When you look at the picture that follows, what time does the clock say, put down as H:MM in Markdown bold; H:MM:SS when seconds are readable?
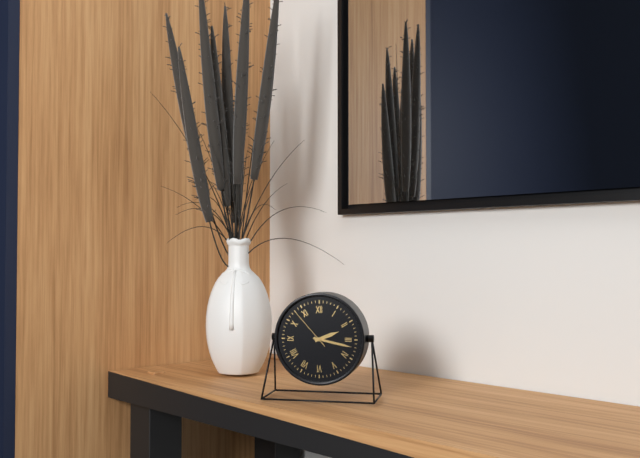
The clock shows **2:17**
